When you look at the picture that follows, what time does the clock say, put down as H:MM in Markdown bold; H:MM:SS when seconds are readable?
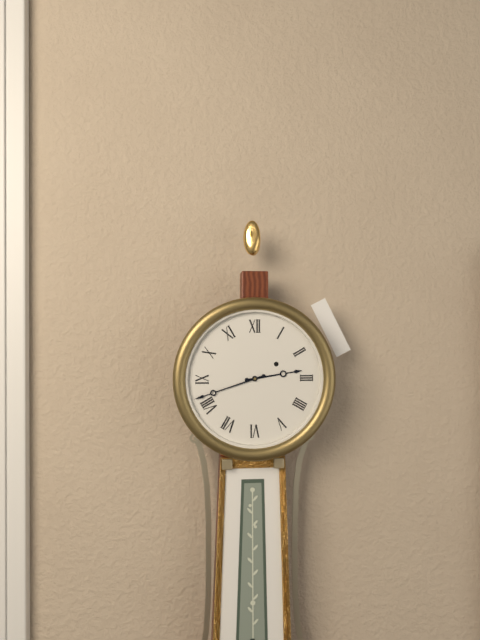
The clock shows **2:42**
